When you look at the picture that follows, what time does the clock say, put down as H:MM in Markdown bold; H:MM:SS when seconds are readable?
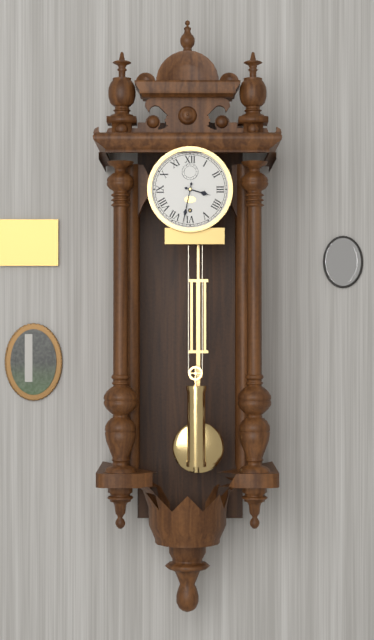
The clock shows **3:32**
